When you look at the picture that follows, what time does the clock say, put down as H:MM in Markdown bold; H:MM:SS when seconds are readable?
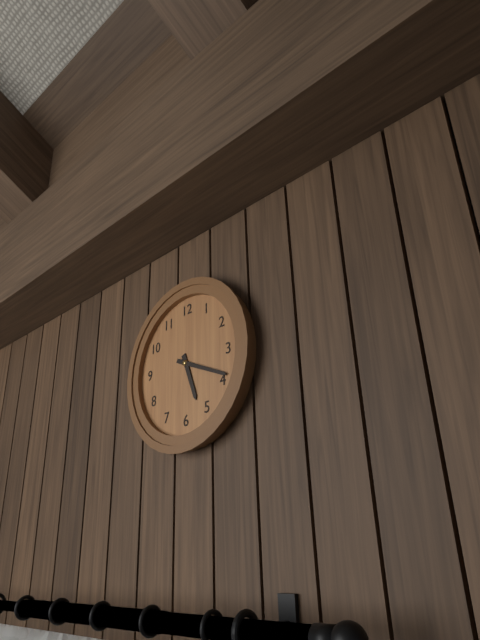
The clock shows **5:19**
